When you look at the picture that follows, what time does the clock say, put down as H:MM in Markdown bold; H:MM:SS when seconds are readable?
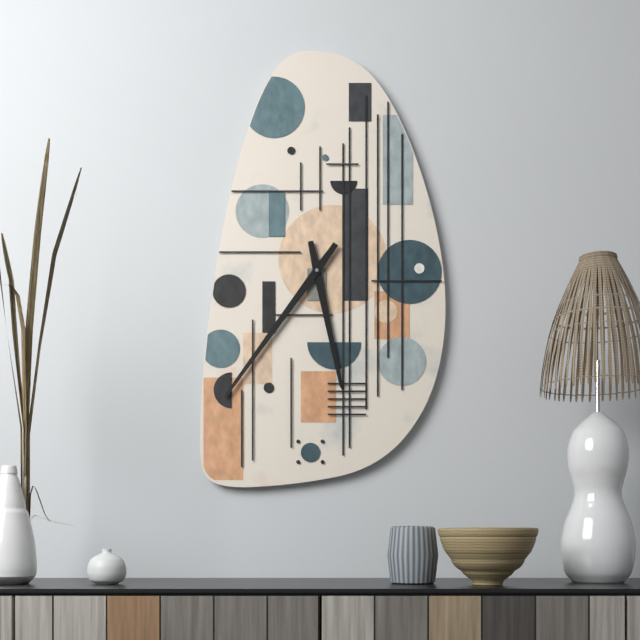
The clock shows **5:36**
